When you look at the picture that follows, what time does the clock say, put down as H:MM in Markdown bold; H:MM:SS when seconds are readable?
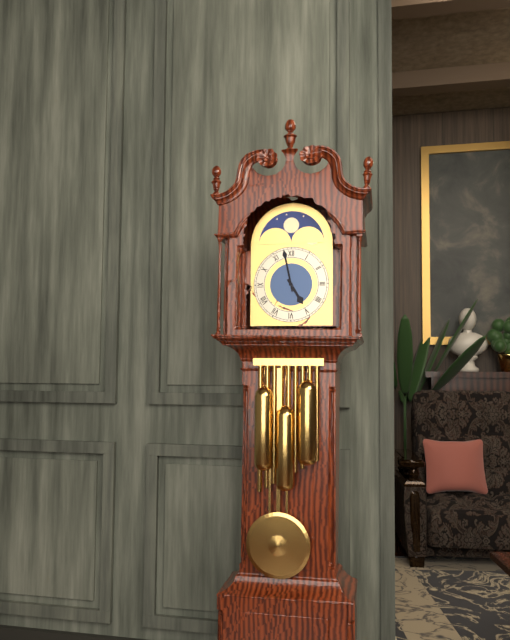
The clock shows **4:58**
